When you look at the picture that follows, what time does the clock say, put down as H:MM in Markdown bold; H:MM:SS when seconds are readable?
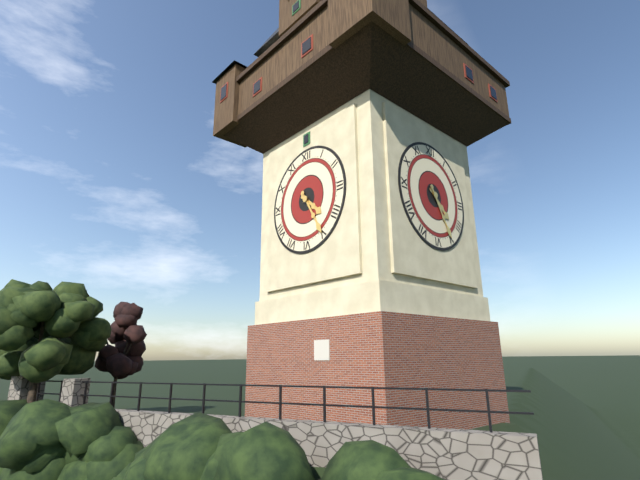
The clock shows **4:25**
